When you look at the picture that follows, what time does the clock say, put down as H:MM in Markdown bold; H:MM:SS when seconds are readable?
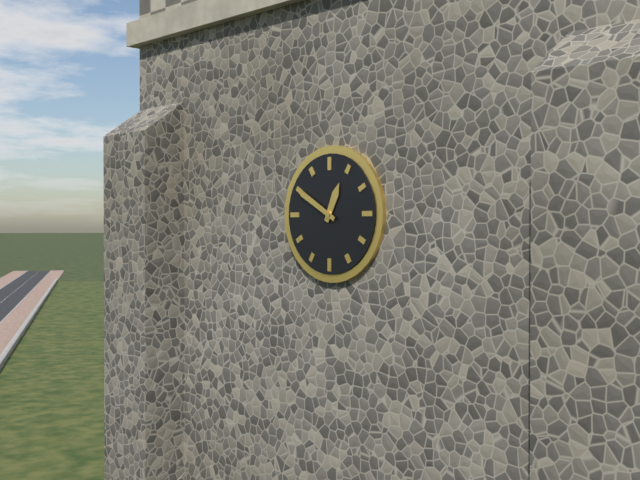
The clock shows **12:50**
